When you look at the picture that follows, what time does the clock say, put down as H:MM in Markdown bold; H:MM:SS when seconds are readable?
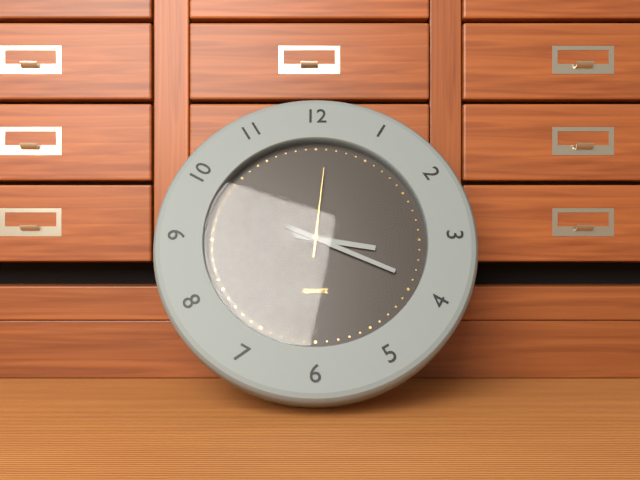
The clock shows **3:19:01**
